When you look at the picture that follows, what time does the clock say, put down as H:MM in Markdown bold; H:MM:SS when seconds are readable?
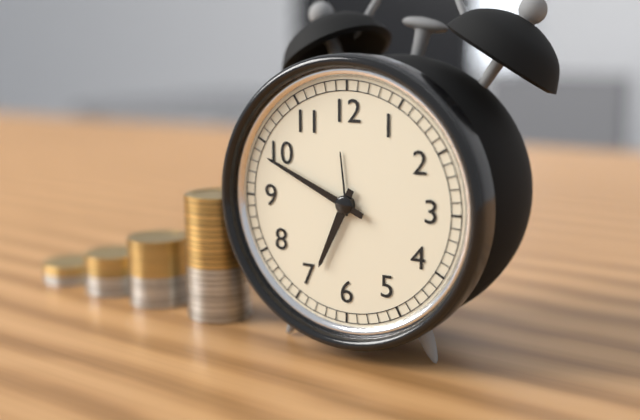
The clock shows **6:49**
